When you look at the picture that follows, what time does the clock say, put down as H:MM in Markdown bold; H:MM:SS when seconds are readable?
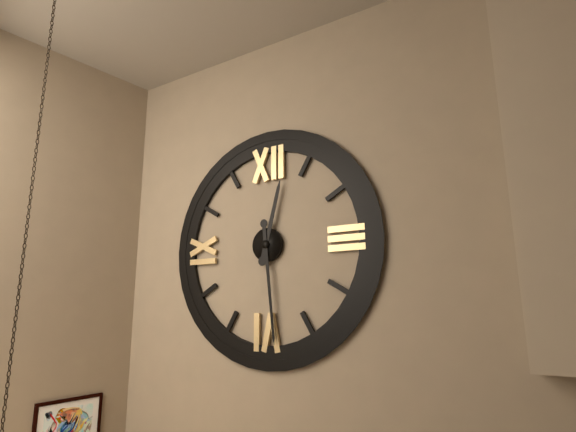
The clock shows **12:29**
